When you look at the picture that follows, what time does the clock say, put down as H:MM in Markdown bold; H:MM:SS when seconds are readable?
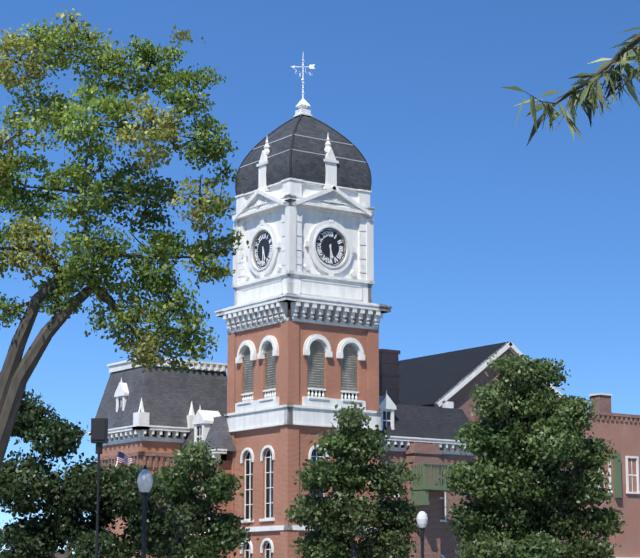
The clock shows **5:30**
